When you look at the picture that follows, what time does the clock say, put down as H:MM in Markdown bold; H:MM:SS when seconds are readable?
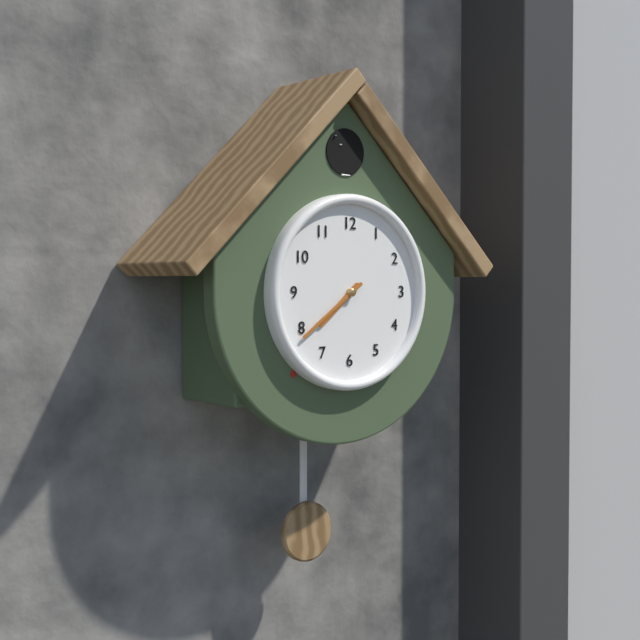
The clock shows **7:39**
